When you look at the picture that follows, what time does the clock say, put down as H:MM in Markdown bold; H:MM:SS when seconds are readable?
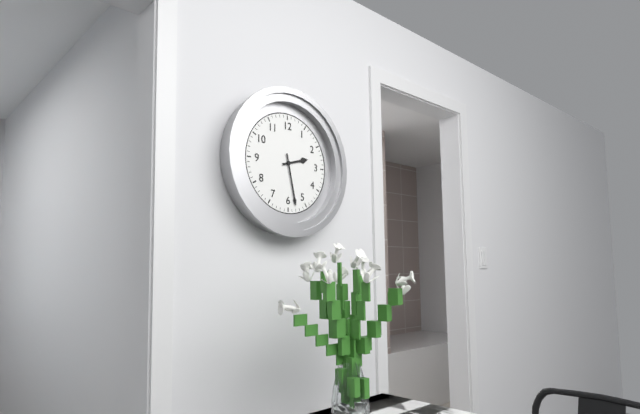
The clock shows **2:28**
